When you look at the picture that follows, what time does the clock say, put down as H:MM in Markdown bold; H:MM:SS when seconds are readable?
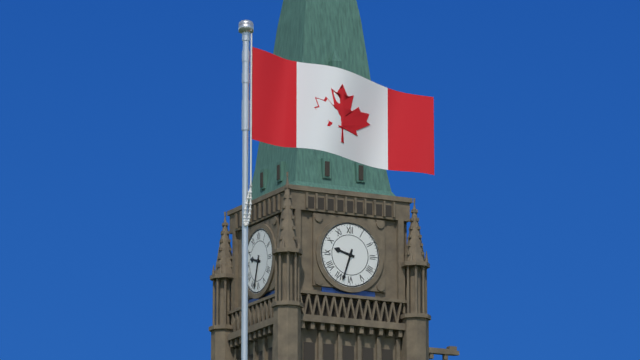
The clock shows **9:33**
